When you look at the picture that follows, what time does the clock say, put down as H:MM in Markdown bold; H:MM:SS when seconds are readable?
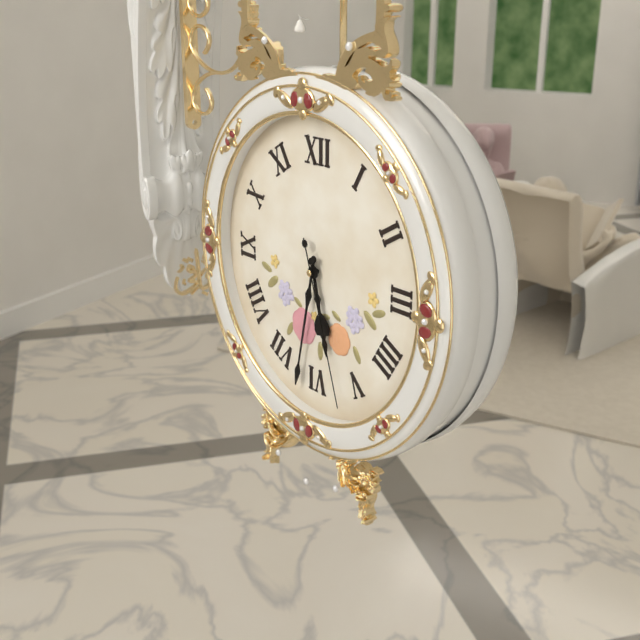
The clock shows **5:32:27**
